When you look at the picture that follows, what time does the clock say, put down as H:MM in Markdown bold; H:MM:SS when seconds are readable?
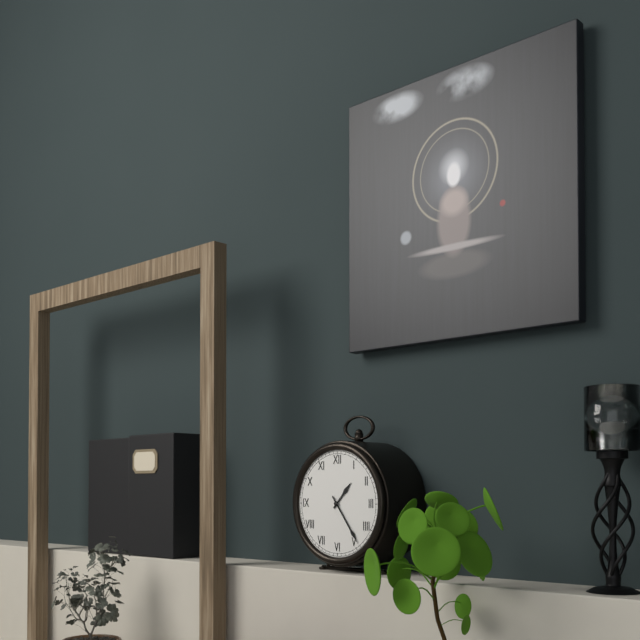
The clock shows **1:24**
